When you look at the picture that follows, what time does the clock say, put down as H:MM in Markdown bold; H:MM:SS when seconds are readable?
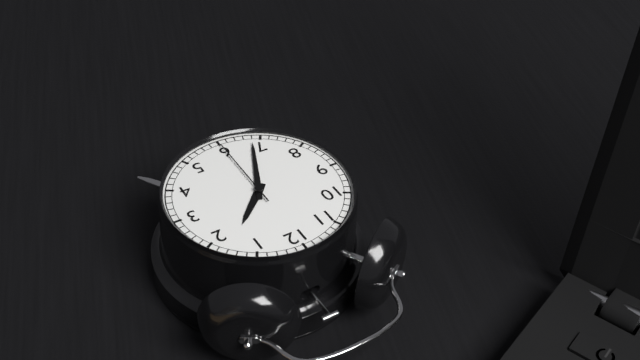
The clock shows **1:34:30**
